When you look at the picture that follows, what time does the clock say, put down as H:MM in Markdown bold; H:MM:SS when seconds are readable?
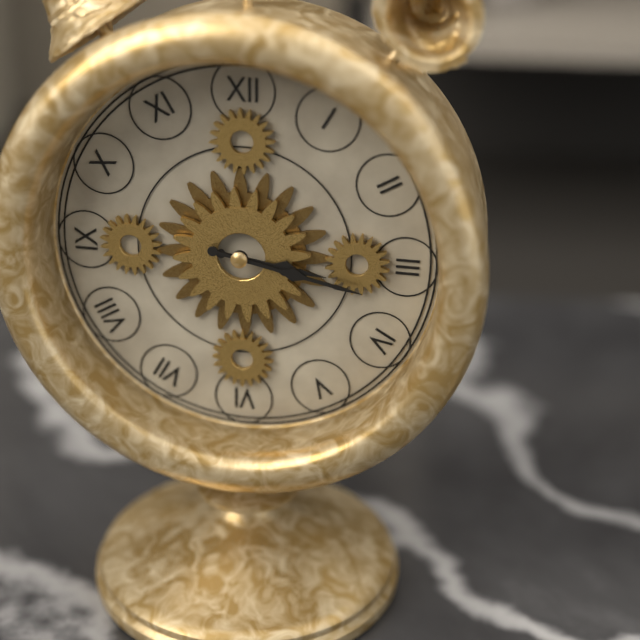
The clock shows **3:17**
